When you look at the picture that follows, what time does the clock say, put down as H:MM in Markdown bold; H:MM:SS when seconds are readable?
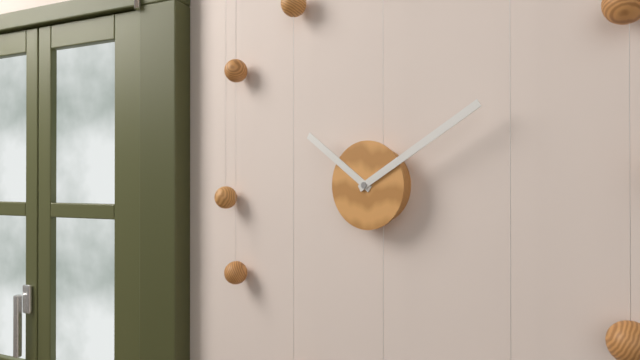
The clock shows **10:10**
